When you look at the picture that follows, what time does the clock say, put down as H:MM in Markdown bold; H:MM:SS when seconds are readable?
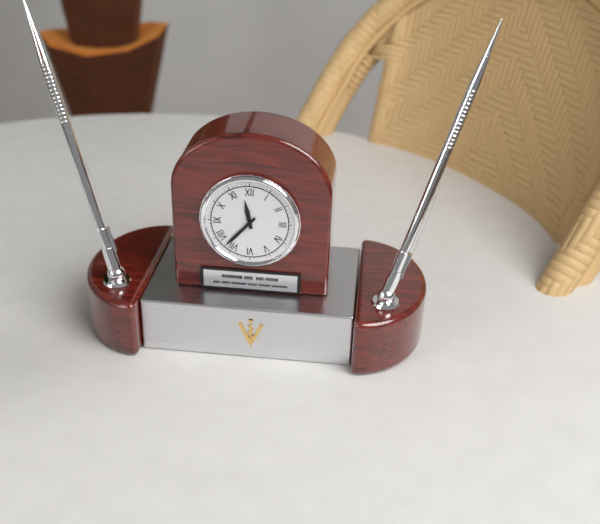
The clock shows **11:37**
